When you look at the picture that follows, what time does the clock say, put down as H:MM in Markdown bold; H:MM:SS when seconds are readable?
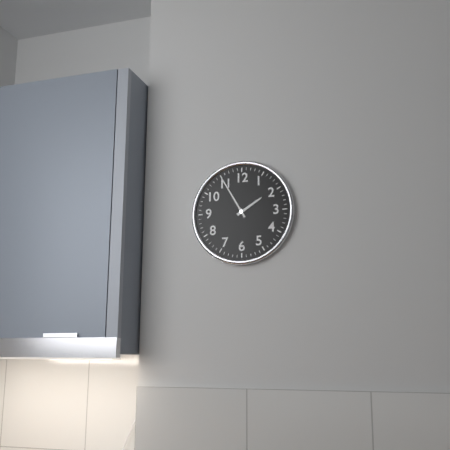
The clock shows **1:55**
